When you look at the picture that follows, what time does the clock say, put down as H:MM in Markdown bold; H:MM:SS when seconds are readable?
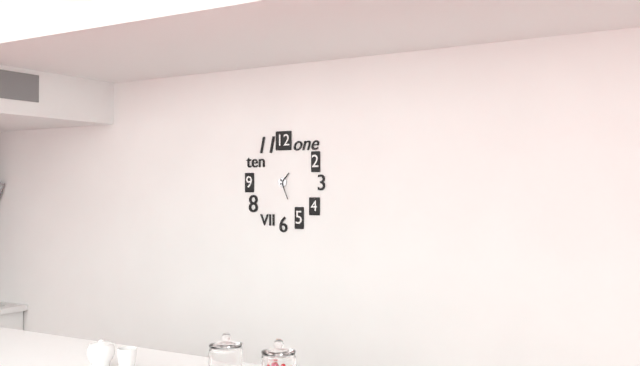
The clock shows **1:26**
